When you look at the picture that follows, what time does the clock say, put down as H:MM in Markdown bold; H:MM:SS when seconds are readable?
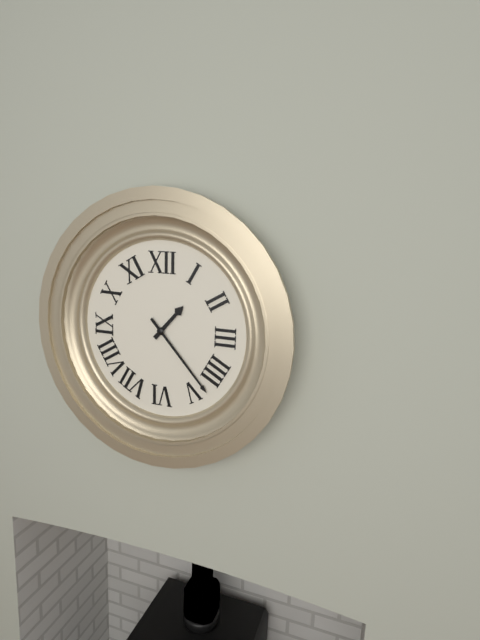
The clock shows **1:23**
